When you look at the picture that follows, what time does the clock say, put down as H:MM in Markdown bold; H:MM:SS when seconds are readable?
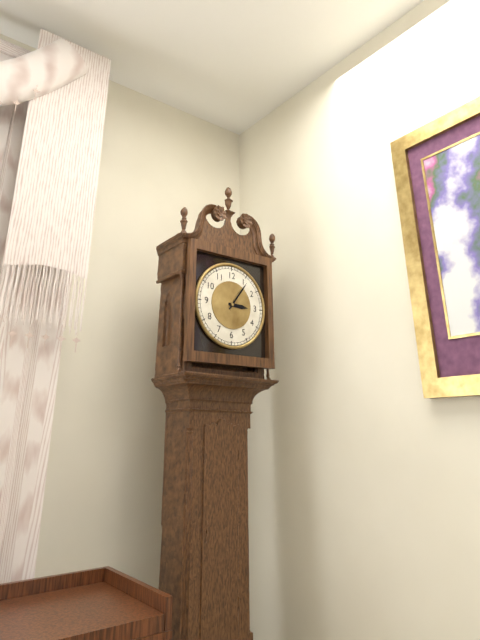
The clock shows **3:06**
